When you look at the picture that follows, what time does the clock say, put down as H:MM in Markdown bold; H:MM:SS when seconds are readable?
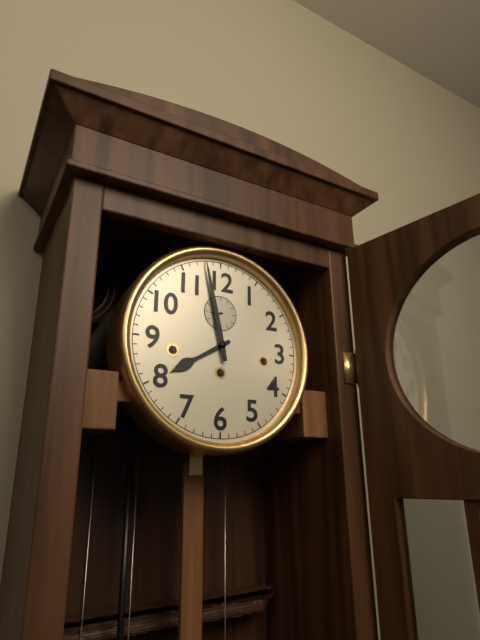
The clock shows **7:58**
